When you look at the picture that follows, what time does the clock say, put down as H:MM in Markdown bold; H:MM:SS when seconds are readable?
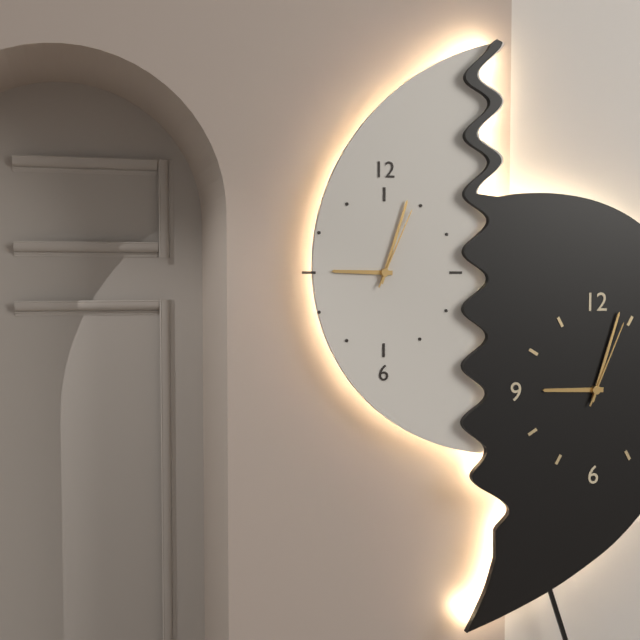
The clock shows **9:03:04**
